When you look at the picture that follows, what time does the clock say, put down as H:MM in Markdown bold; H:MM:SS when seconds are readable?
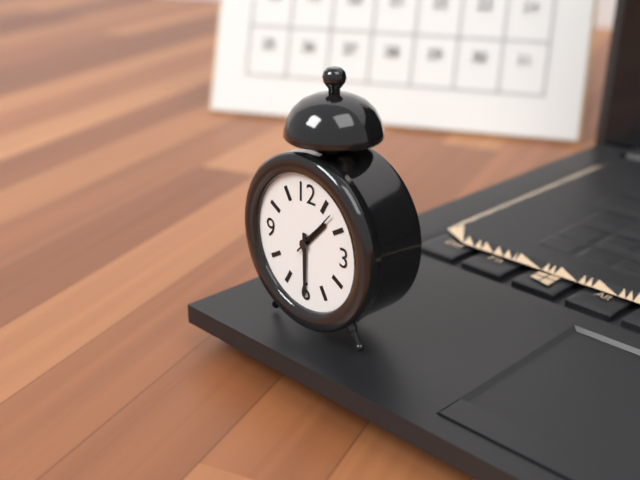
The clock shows **1:30**
